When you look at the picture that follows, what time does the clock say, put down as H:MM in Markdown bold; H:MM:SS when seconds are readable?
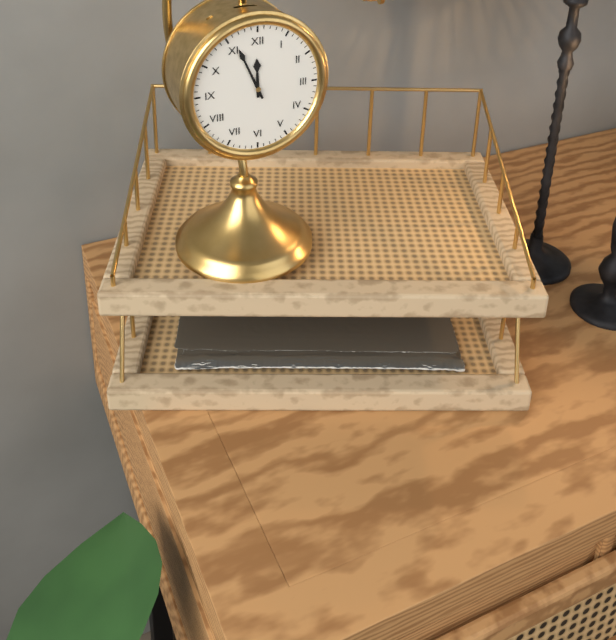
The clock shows **11:56**
